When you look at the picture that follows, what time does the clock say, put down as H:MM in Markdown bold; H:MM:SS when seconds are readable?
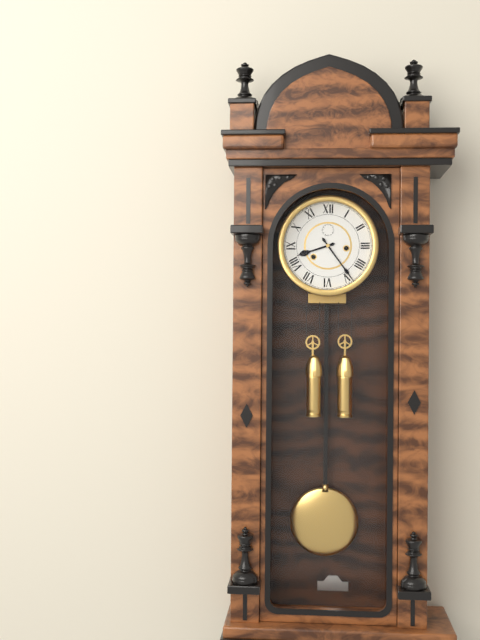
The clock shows **8:24**
